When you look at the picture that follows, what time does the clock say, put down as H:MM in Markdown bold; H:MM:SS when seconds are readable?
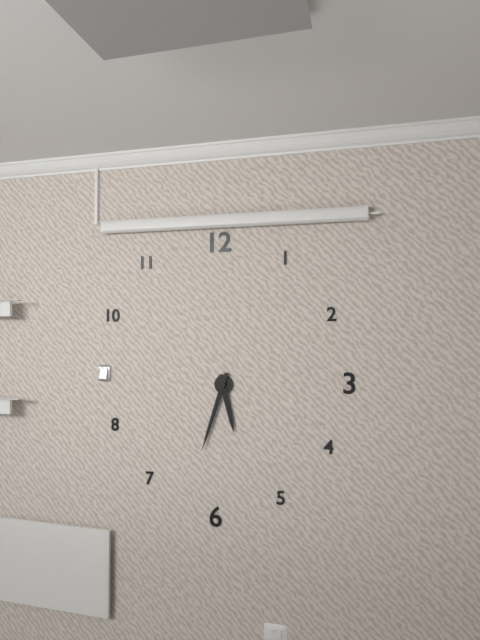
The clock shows **5:33**
